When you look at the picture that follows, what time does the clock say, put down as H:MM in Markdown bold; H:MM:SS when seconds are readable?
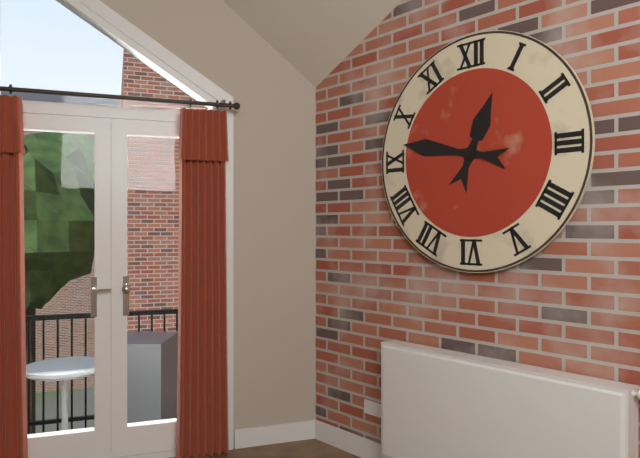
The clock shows **12:47**
